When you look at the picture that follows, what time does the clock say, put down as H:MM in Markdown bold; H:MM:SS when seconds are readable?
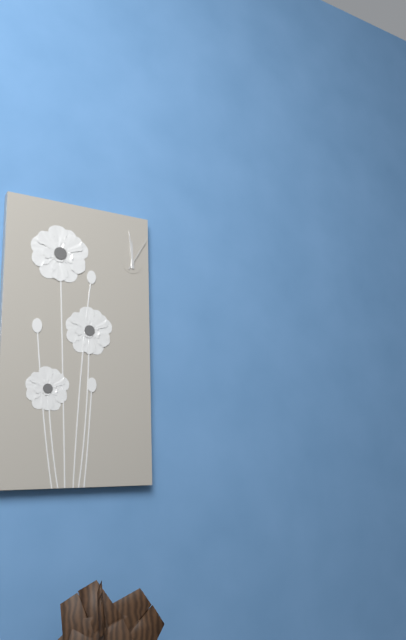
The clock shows **11:59**
